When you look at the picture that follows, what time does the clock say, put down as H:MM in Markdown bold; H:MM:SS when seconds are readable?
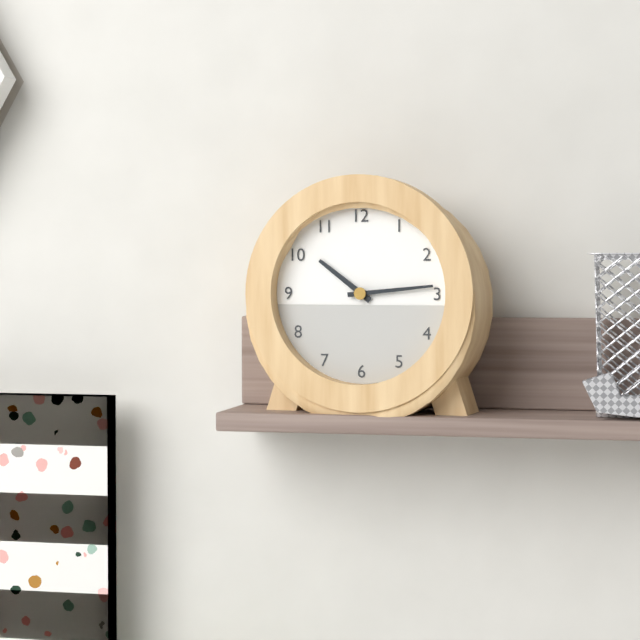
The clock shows **10:14**
